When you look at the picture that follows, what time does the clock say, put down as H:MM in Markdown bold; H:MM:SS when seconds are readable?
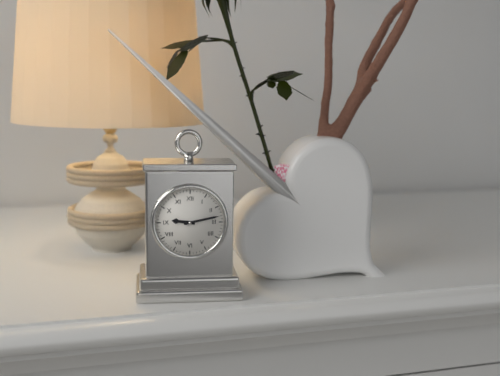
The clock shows **9:13**
